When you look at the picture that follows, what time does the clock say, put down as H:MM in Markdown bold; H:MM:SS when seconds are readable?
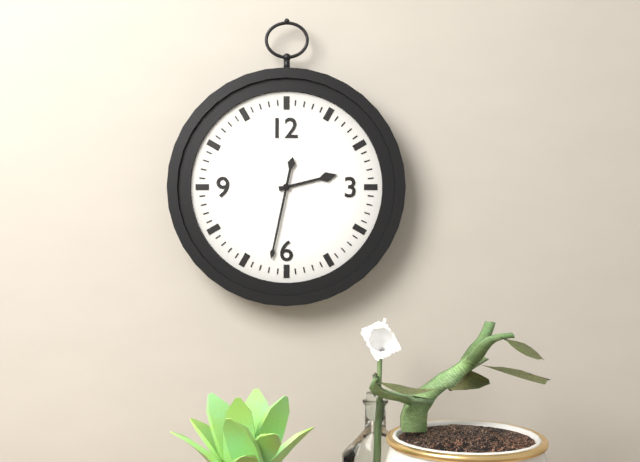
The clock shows **2:32**
